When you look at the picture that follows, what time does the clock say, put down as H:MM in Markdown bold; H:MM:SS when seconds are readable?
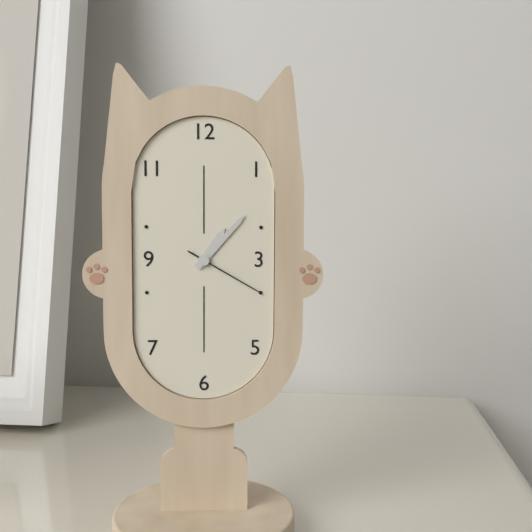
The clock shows **1:07:20**
